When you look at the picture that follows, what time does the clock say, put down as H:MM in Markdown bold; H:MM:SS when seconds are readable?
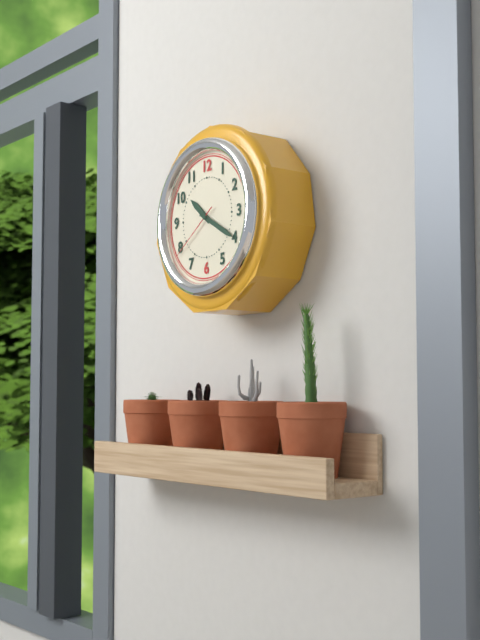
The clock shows **10:20:39**
